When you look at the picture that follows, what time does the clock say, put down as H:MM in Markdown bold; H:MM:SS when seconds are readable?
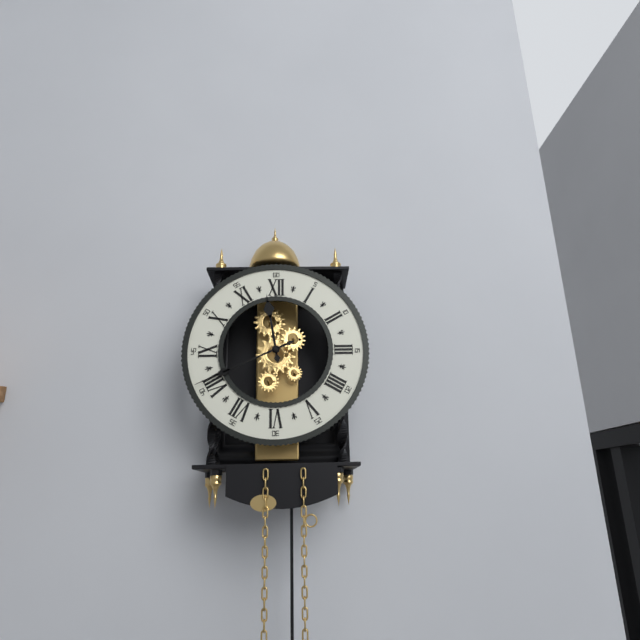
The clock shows **11:41**
